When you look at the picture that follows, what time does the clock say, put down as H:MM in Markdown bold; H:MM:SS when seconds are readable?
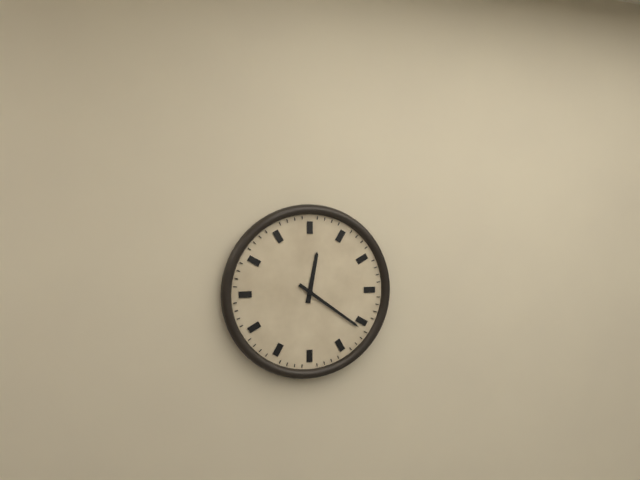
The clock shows **12:21**
